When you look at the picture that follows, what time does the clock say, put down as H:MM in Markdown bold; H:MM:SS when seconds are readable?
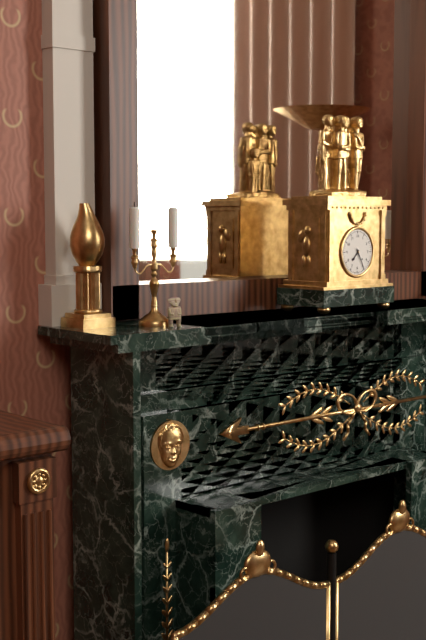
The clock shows **7:25**
